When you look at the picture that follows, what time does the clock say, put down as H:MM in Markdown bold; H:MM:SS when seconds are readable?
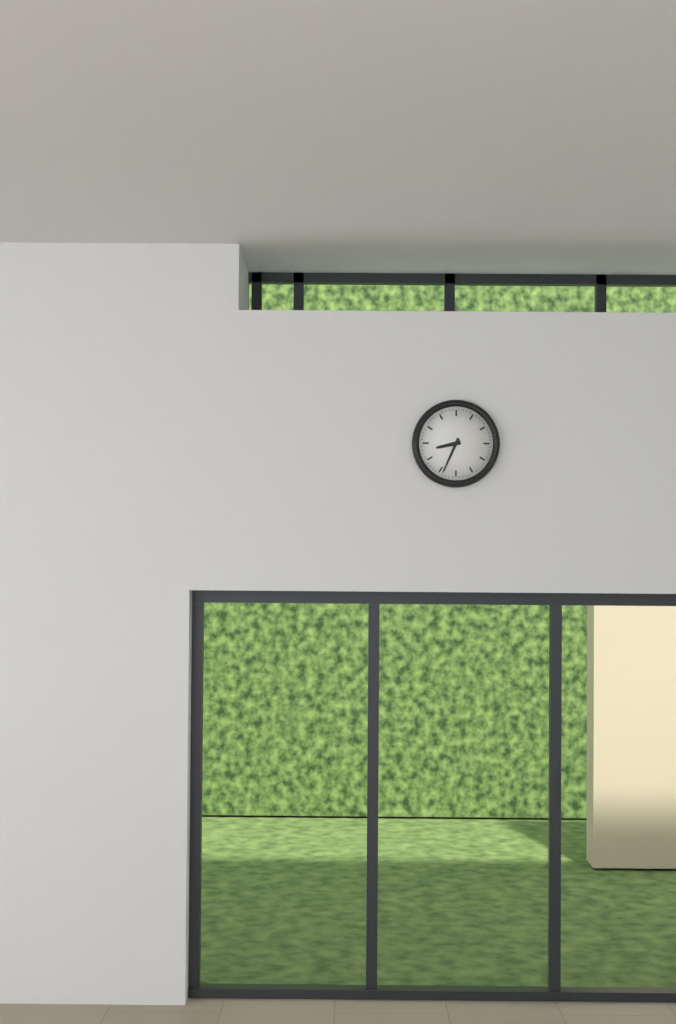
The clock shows **8:34**
